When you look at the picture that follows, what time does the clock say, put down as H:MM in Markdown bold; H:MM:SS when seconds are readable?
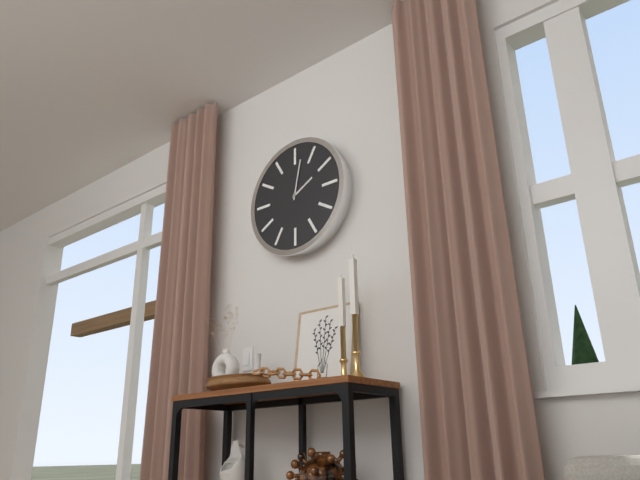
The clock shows **2:02**
